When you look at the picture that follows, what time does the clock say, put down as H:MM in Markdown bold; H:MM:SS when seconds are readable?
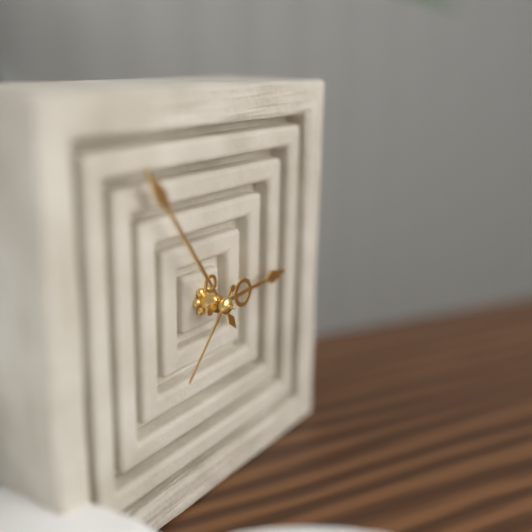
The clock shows **2:54:37**
